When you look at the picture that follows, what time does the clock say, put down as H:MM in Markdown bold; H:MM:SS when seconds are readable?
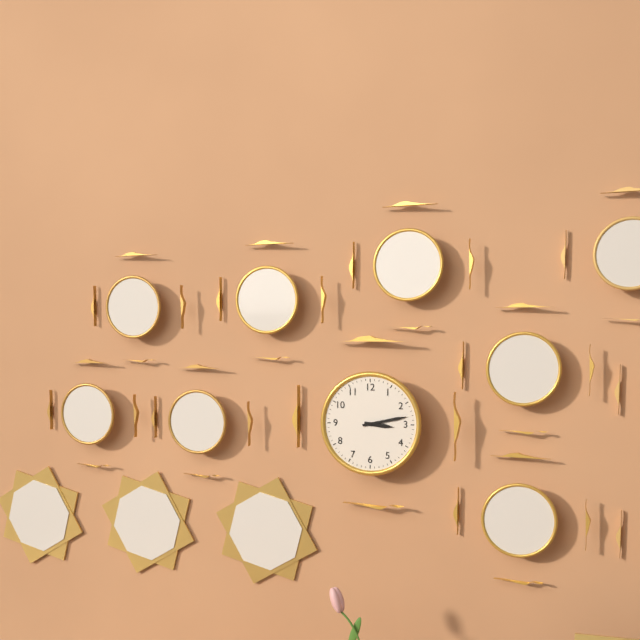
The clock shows **3:13**
